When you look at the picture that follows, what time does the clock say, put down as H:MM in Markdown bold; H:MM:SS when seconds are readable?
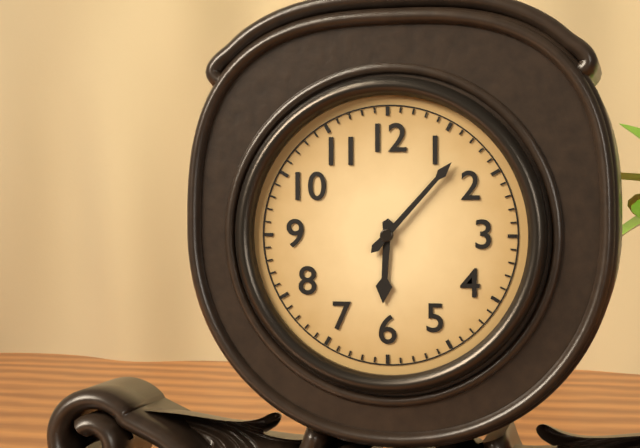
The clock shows **6:07**
